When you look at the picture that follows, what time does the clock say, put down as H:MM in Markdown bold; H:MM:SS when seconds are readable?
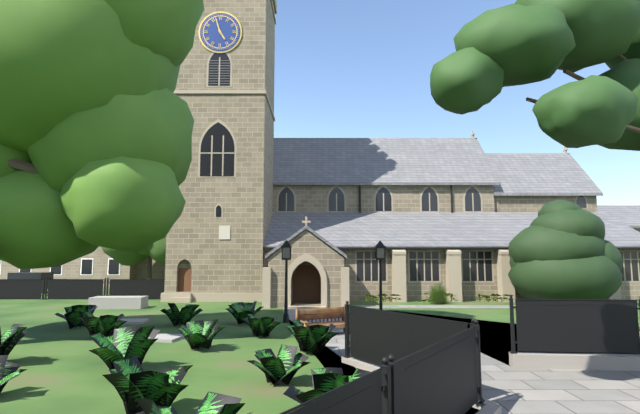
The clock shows **4:57**
